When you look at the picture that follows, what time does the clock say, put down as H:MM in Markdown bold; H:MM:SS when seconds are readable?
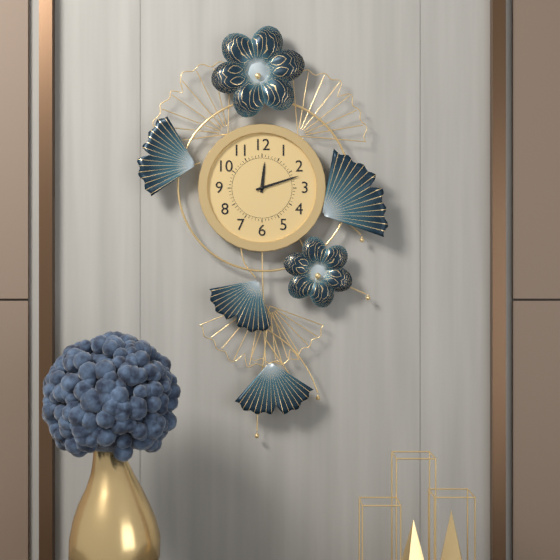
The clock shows **12:12**
